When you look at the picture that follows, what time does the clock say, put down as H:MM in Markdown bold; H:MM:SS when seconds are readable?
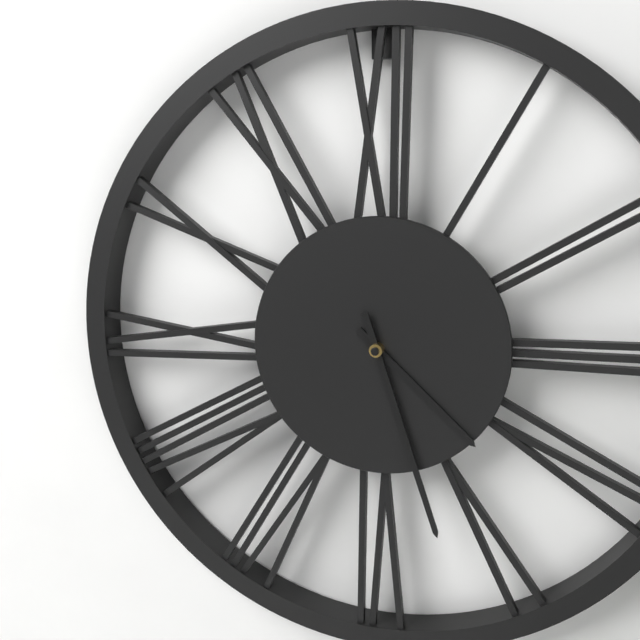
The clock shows **4:27**
